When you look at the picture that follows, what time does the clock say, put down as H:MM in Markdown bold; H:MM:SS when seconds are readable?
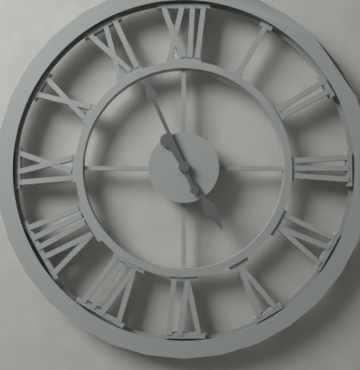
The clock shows **4:56**
